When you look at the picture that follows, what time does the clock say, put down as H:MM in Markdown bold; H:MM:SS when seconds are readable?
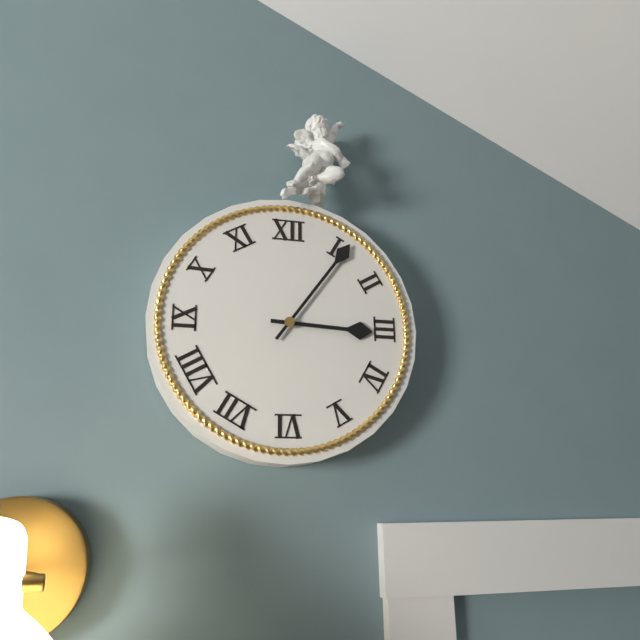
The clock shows **3:06**
